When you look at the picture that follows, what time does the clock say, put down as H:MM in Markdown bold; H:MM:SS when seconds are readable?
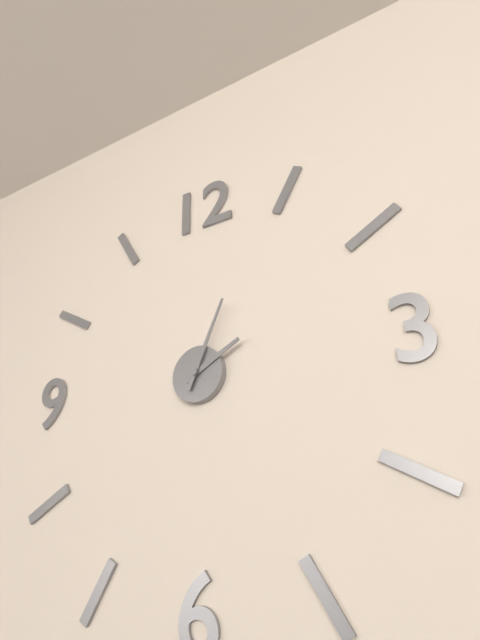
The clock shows **2:04**
